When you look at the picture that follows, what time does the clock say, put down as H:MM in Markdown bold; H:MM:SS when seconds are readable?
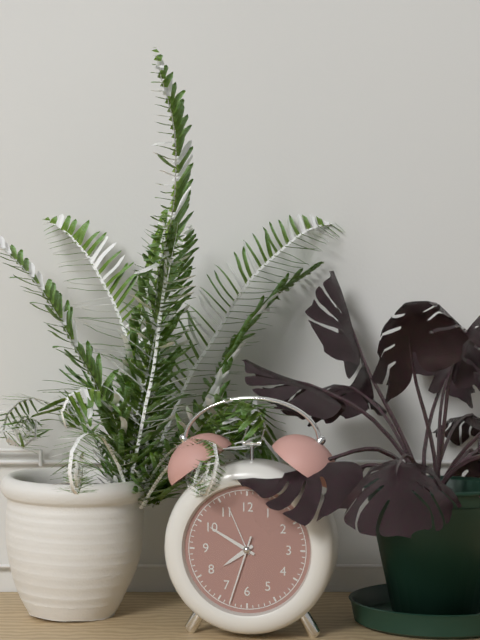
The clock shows **7:50:33**
